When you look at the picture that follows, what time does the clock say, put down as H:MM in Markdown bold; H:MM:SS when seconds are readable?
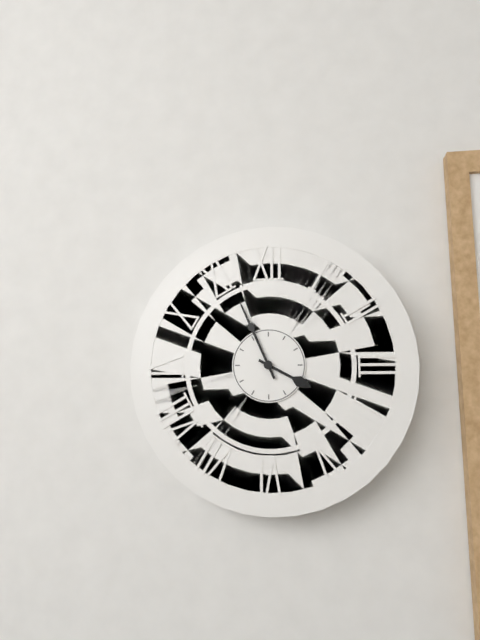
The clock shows **3:56**
